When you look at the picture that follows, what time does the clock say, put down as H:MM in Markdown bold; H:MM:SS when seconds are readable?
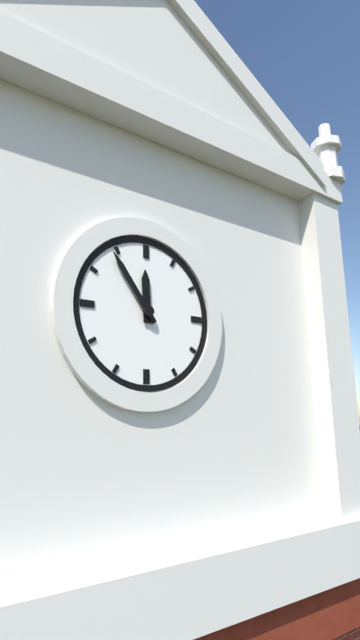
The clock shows **11:54**
